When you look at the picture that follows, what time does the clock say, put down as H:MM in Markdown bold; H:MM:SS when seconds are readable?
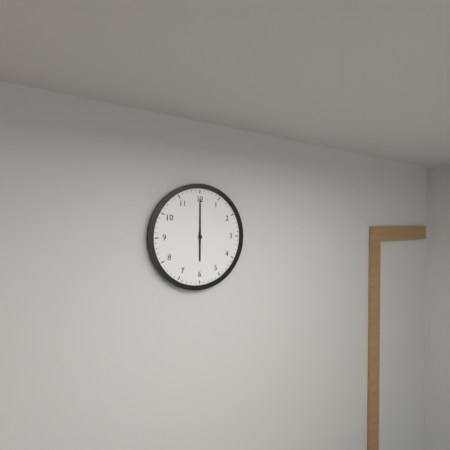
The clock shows **6:00**
